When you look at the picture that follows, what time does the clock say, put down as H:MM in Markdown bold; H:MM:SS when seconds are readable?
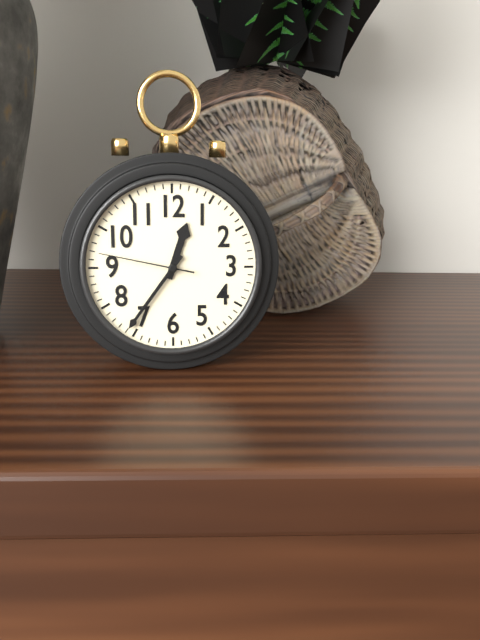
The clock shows **12:36:47**
